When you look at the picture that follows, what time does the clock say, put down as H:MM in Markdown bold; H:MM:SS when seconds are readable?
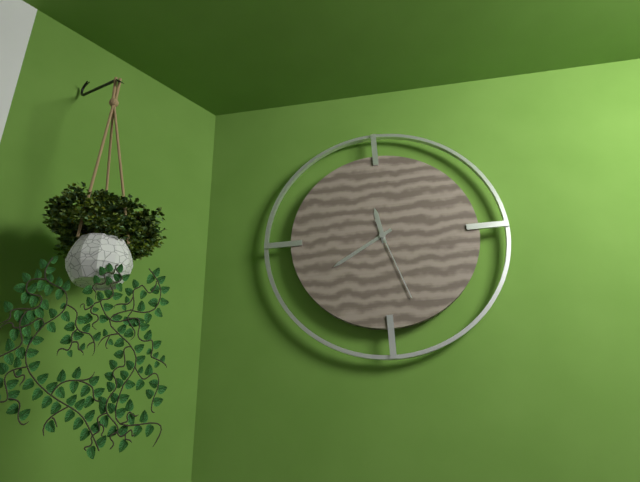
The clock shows **11:40:27**
